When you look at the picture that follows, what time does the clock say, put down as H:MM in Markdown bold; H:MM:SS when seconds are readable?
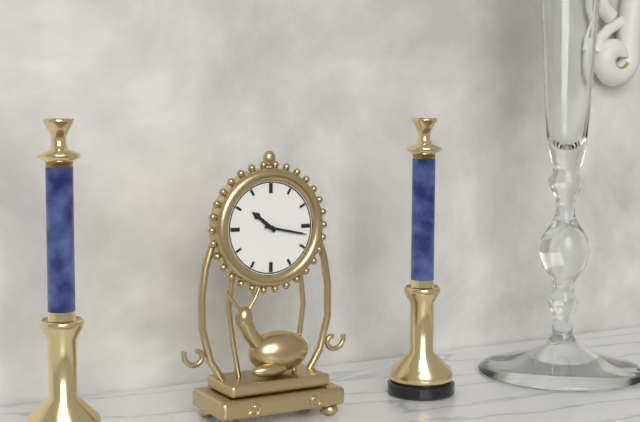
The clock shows **10:17**
